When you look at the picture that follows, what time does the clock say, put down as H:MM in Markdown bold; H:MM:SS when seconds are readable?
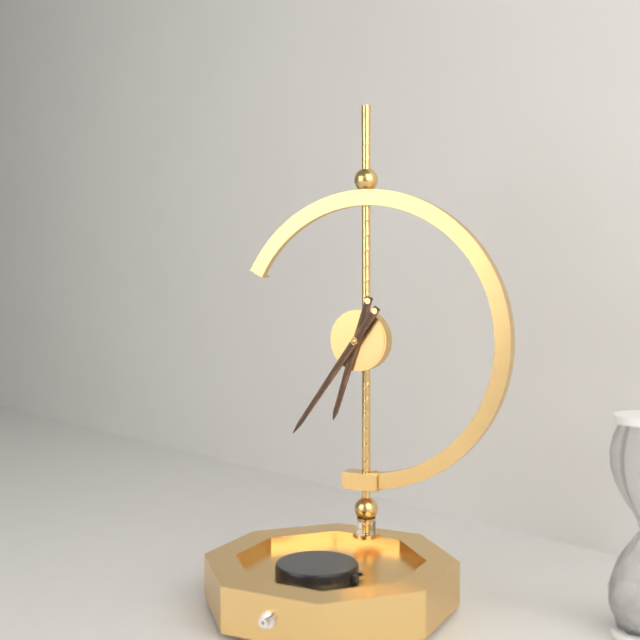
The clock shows **6:36**
